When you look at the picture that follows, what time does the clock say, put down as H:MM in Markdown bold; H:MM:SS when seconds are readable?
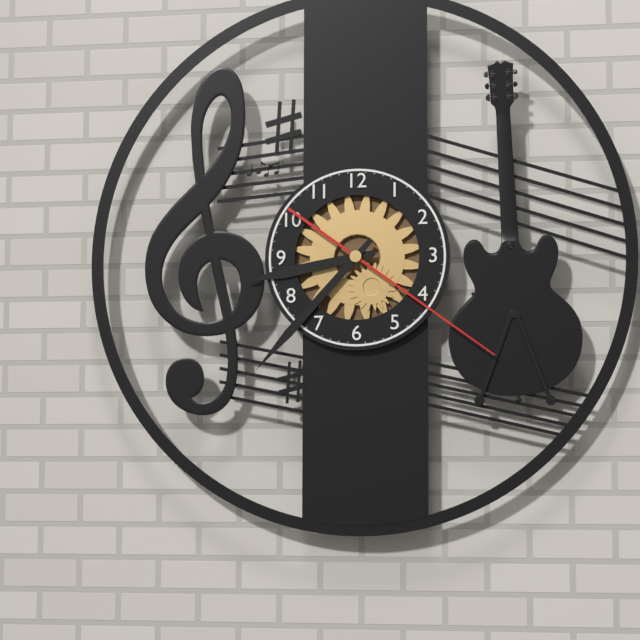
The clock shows **8:37:21**
